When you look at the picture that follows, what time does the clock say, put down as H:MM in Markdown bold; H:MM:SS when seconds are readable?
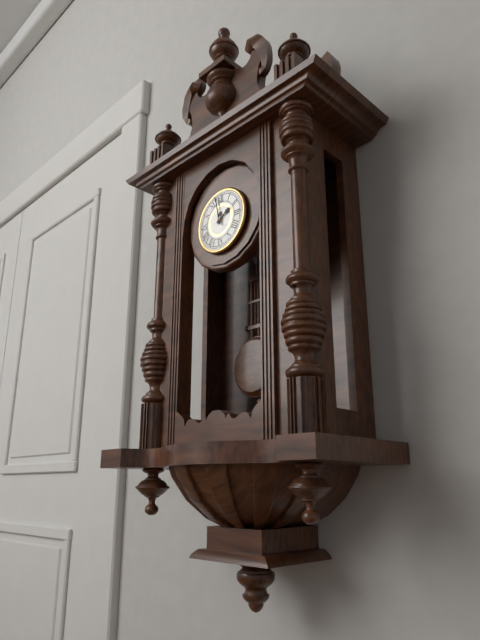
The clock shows **1:58**
